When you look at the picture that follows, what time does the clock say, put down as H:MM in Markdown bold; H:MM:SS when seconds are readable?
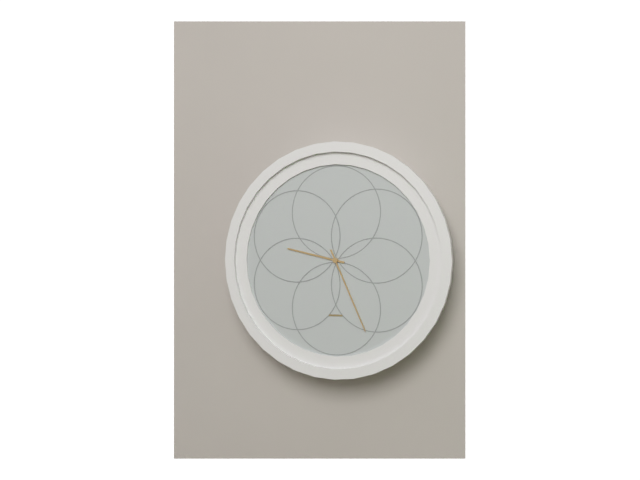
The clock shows **9:26**
